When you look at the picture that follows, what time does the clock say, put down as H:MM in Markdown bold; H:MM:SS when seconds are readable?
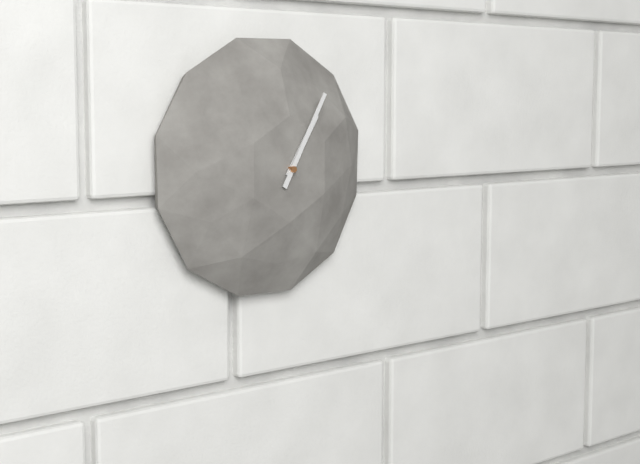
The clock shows **1:05**
